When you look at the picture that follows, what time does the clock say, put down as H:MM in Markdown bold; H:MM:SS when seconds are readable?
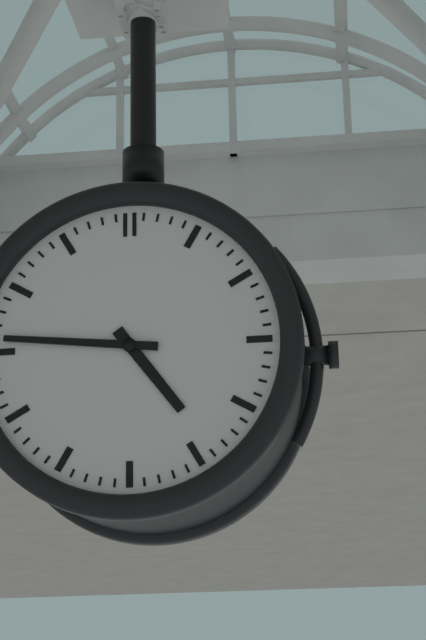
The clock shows **4:46**
